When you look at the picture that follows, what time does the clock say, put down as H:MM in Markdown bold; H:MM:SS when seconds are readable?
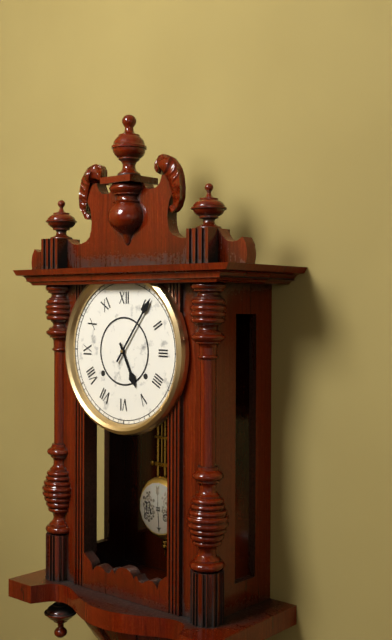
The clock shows **5:06**
